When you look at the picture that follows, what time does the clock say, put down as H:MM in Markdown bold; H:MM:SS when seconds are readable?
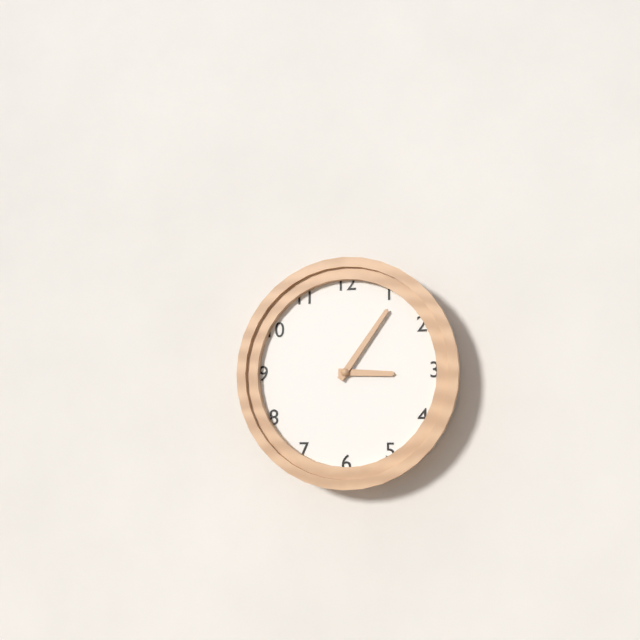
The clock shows **3:06**
